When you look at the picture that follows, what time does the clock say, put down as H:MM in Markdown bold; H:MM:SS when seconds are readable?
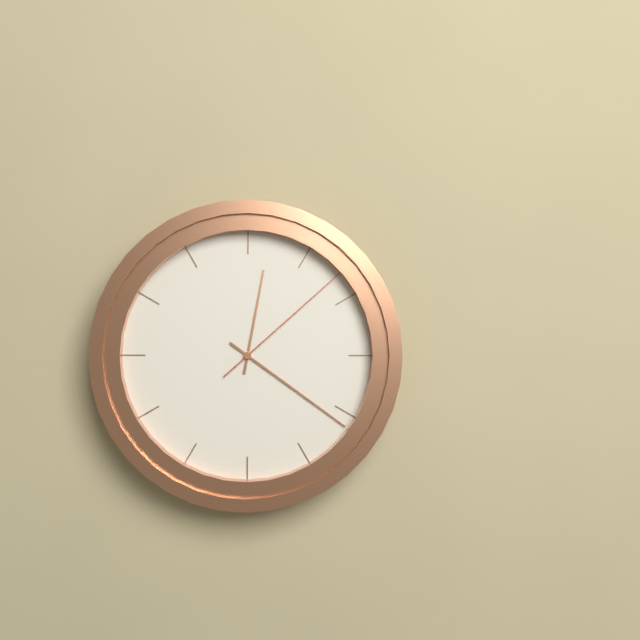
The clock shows **12:21:08**
